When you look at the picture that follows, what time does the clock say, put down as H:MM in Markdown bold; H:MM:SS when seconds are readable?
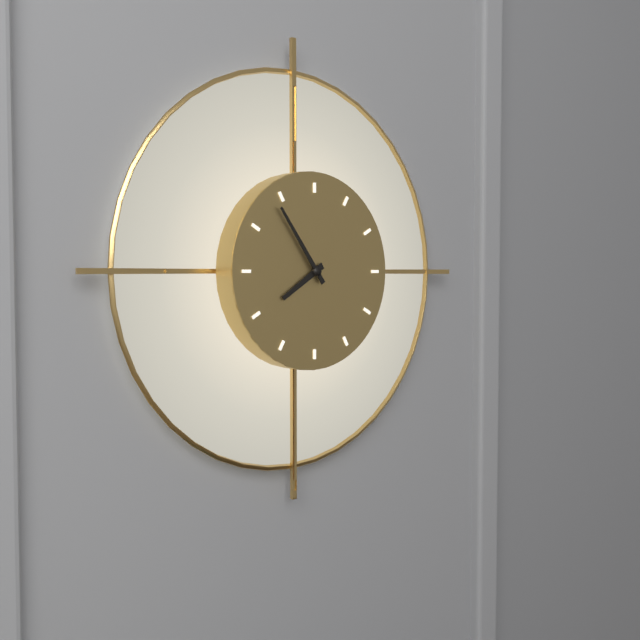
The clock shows **7:54**
